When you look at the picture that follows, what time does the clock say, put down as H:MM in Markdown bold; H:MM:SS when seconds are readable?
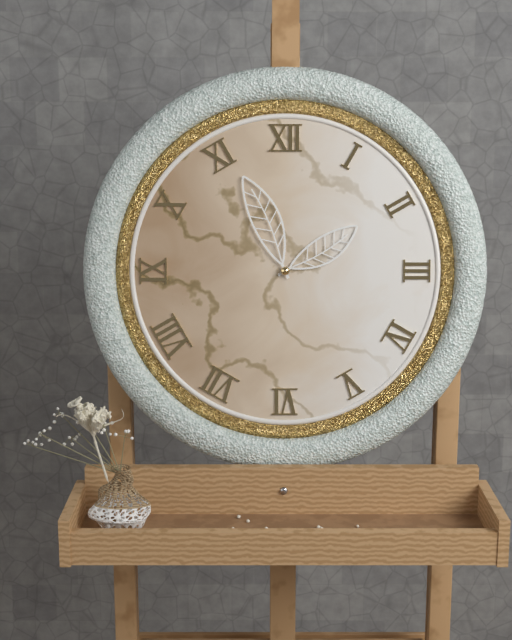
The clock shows **1:56**
